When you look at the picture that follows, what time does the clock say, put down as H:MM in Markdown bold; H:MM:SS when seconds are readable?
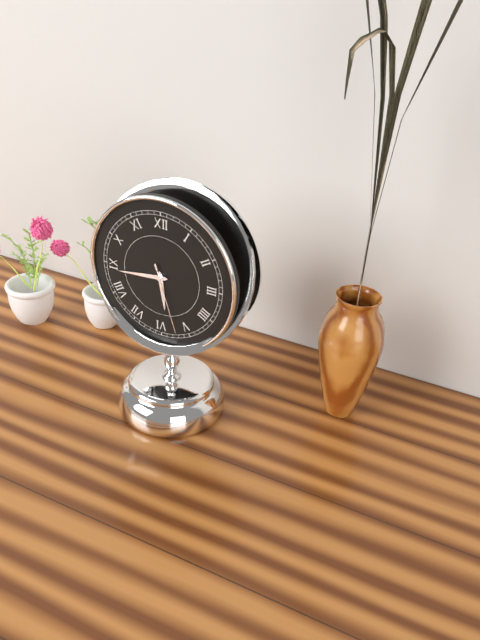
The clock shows **5:44:27**
